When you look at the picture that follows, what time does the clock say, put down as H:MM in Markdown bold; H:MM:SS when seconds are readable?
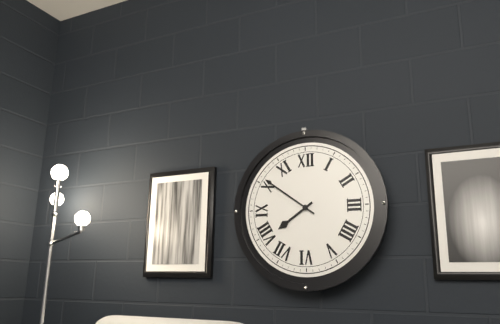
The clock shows **7:51**
